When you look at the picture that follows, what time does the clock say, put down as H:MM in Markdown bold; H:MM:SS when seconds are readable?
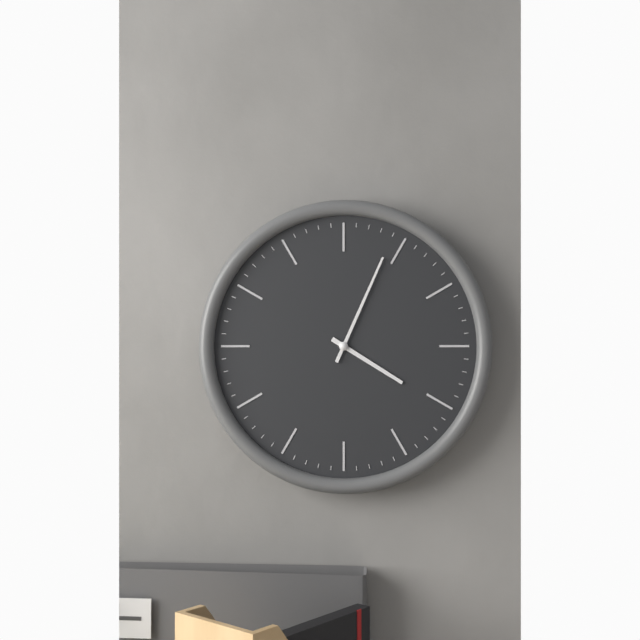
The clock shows **4:04**
